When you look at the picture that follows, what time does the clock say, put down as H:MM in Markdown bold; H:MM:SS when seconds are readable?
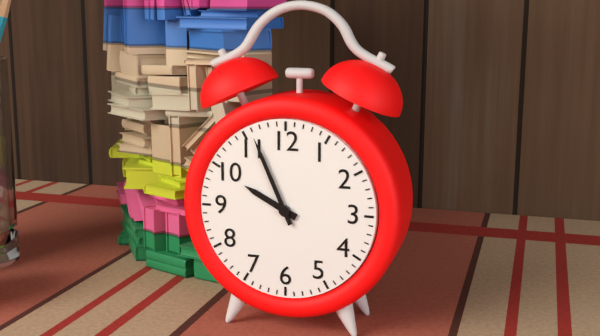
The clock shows **9:56**
